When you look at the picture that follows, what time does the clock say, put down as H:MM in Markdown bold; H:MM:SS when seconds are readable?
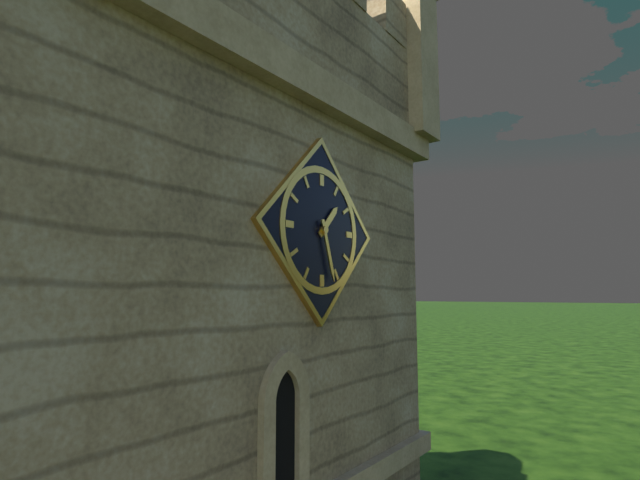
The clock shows **1:27**
